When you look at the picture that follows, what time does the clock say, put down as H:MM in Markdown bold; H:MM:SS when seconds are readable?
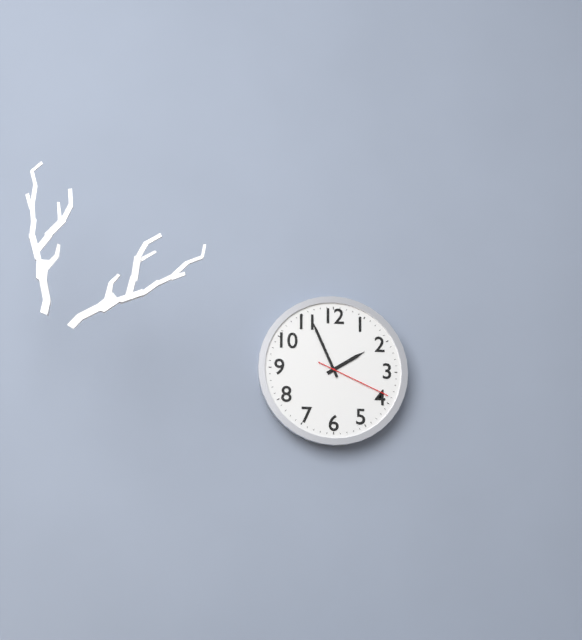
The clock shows **1:56:19**
